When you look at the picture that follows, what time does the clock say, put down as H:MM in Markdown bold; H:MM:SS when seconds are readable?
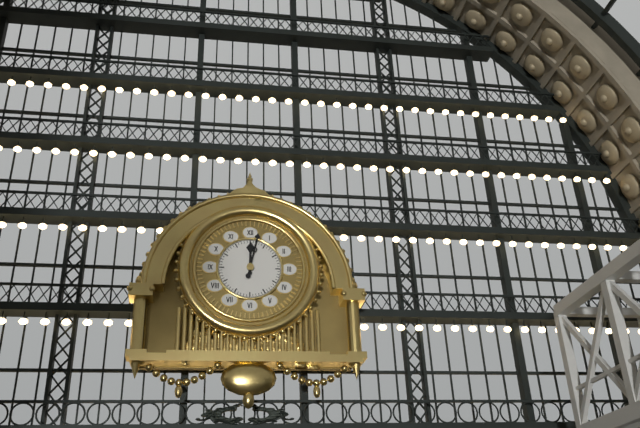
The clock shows **12:02**
